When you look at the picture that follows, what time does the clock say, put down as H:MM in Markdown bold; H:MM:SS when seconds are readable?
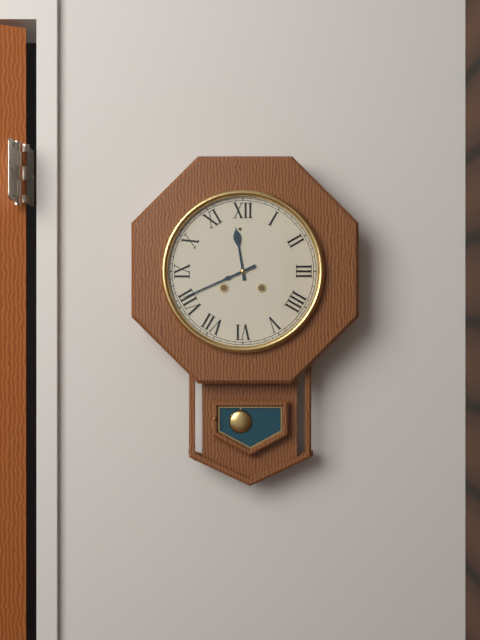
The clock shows **11:41**
